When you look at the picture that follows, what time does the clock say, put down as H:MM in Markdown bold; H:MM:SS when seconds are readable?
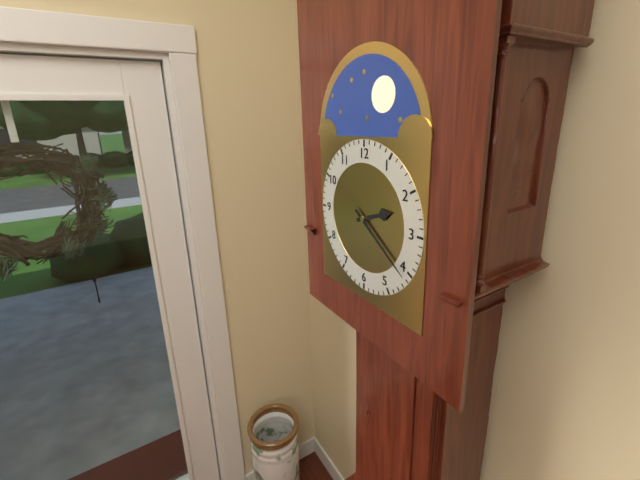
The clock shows **2:21**
